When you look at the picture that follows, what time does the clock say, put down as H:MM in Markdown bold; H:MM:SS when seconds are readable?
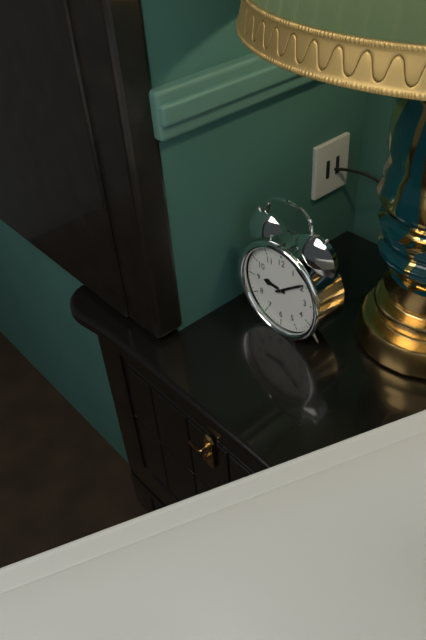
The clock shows **9:09**
